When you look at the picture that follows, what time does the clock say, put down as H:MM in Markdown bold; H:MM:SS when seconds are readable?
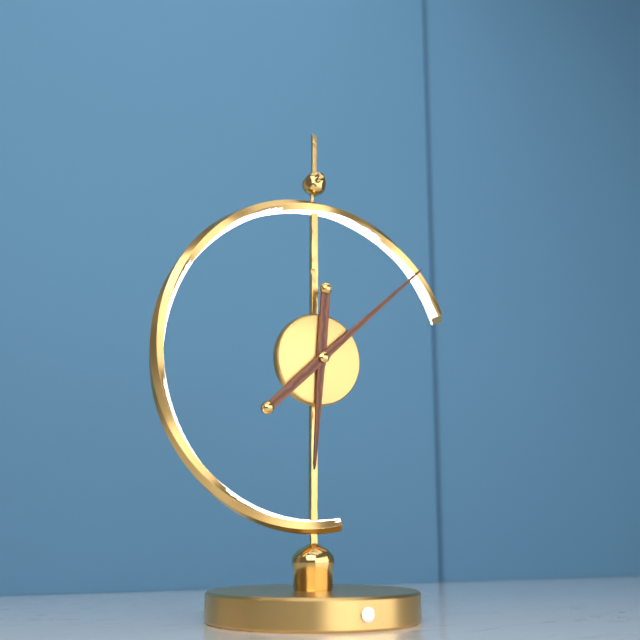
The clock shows **6:08**
